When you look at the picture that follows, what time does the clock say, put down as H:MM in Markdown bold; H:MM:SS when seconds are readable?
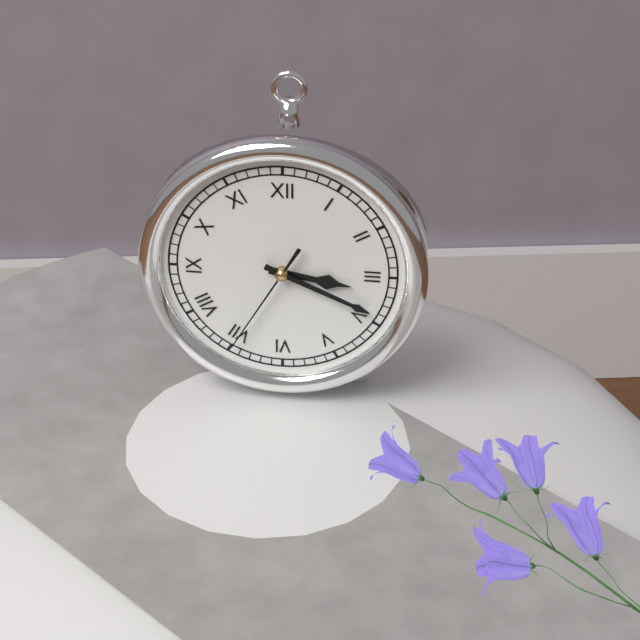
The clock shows **3:19:35**
